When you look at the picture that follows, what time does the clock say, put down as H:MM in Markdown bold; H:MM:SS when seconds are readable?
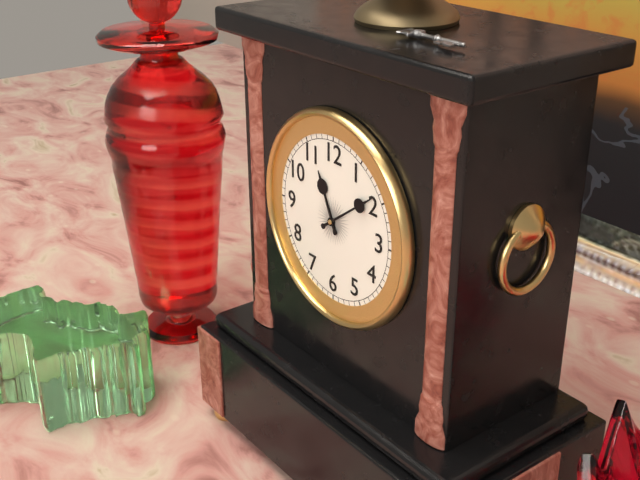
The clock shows **11:09**
